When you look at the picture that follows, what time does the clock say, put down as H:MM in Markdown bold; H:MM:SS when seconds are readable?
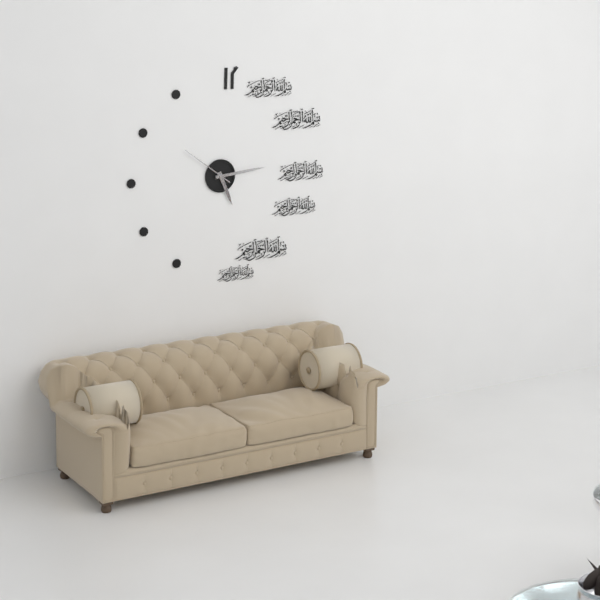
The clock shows **5:14:51**
